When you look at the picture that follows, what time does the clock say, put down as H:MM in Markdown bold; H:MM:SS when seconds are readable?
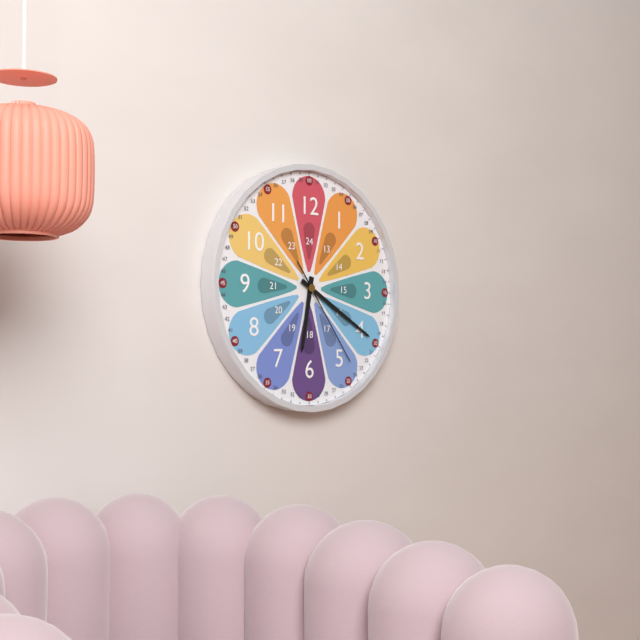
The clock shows **6:20:24**
